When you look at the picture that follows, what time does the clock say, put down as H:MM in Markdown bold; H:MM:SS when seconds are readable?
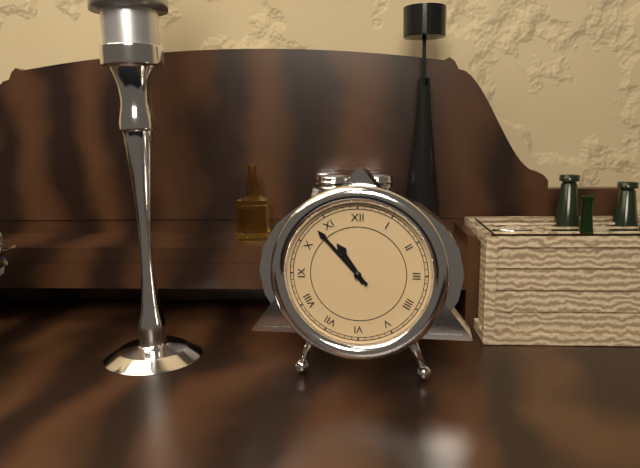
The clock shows **10:53**
